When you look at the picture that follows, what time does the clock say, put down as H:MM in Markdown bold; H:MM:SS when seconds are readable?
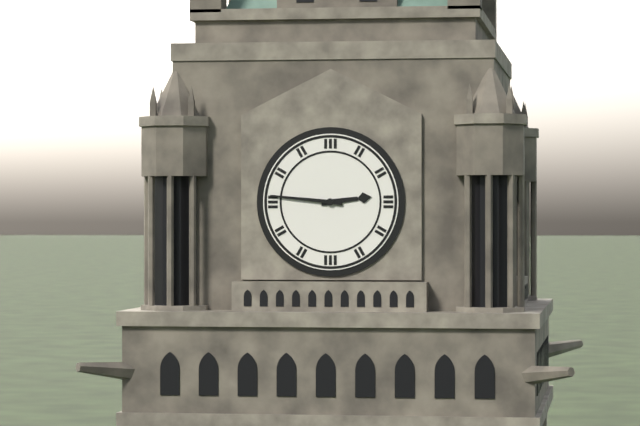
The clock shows **2:46**
